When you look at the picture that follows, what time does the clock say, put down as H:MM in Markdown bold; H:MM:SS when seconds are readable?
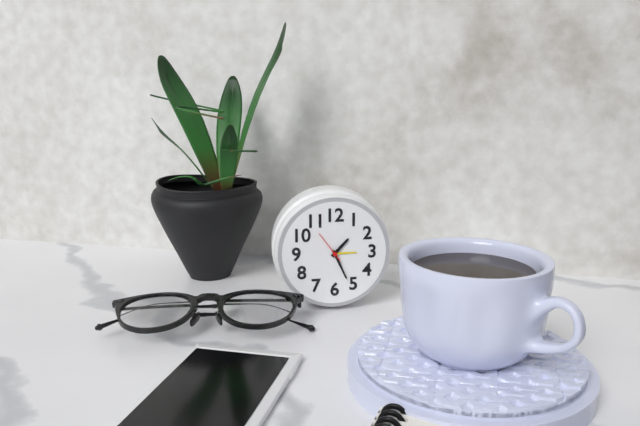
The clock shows **1:26**
